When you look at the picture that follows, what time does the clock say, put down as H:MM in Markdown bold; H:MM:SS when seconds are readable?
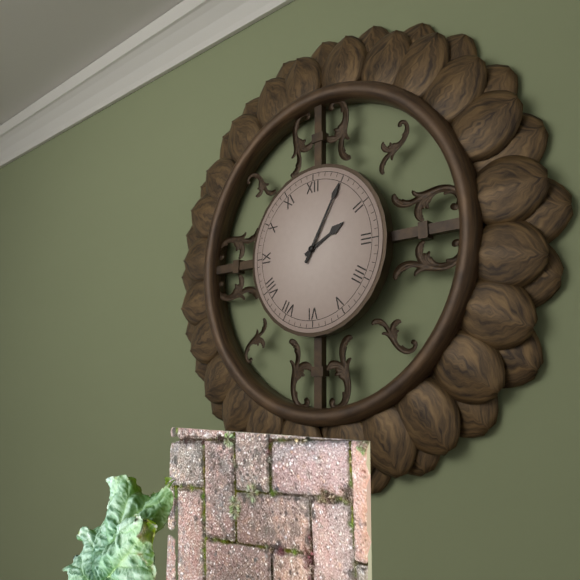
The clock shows **2:05**
